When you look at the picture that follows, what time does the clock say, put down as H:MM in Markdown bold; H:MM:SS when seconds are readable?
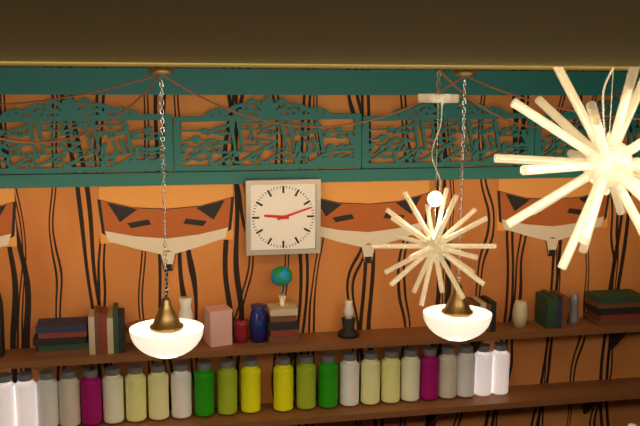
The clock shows **9:12**
